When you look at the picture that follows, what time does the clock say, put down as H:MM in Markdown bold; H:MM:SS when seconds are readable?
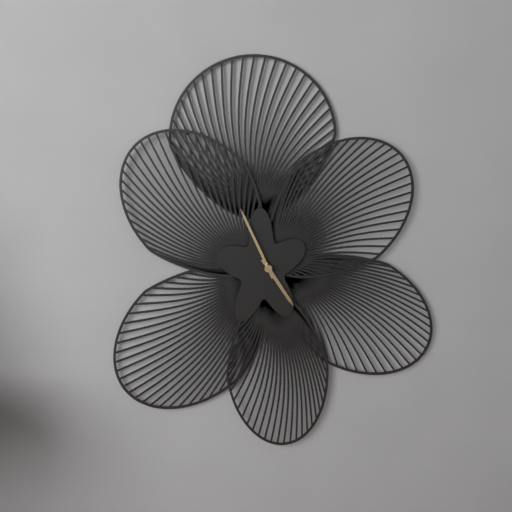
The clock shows **4:56**
